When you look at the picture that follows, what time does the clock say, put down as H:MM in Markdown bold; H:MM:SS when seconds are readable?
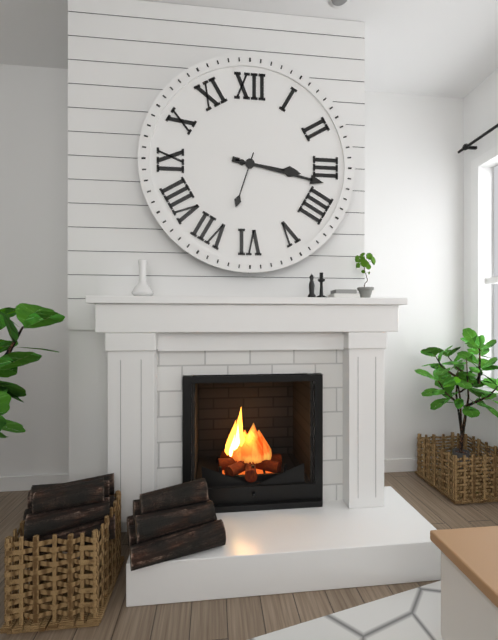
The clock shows **3:17:33**
